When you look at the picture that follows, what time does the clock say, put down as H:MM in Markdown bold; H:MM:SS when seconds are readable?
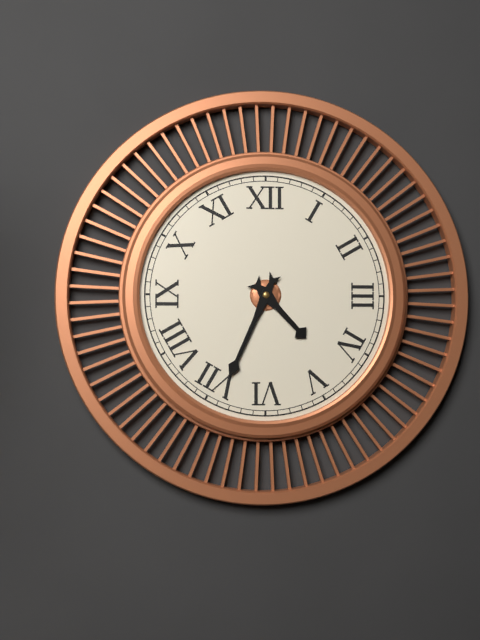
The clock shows **4:34**
